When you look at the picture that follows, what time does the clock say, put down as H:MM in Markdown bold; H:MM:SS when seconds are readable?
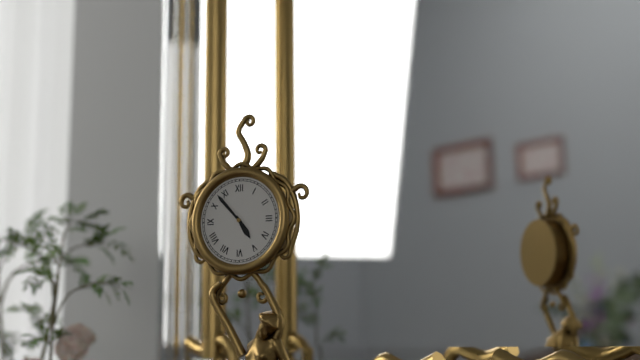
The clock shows **4:53**
